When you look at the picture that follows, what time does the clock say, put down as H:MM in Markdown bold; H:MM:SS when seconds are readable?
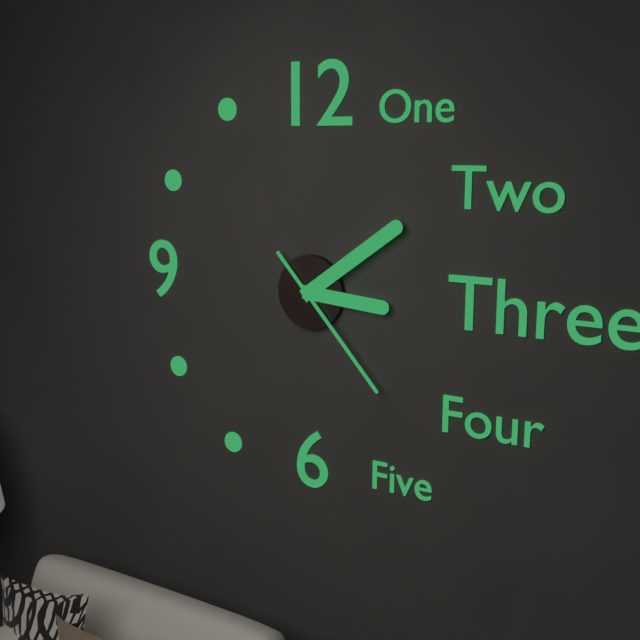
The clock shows **3:09:23**
